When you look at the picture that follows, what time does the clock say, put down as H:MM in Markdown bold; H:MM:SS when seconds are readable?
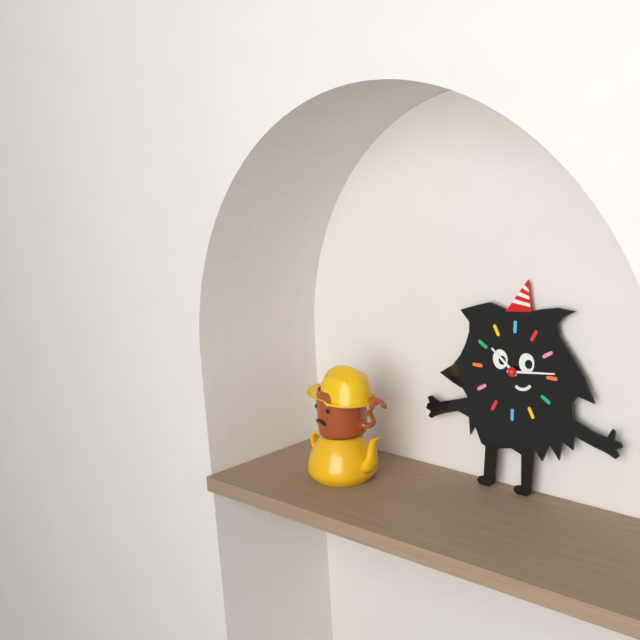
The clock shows **10:14**
